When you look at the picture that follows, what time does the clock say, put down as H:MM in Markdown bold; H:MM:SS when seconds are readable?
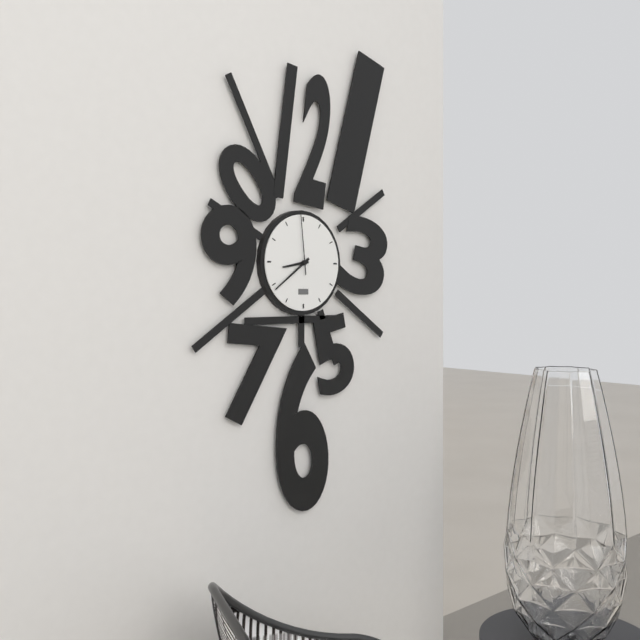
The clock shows **8:39:59**
